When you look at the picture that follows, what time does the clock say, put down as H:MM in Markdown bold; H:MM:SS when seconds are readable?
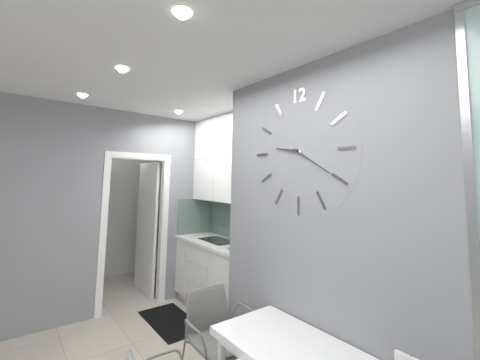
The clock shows **9:20**
